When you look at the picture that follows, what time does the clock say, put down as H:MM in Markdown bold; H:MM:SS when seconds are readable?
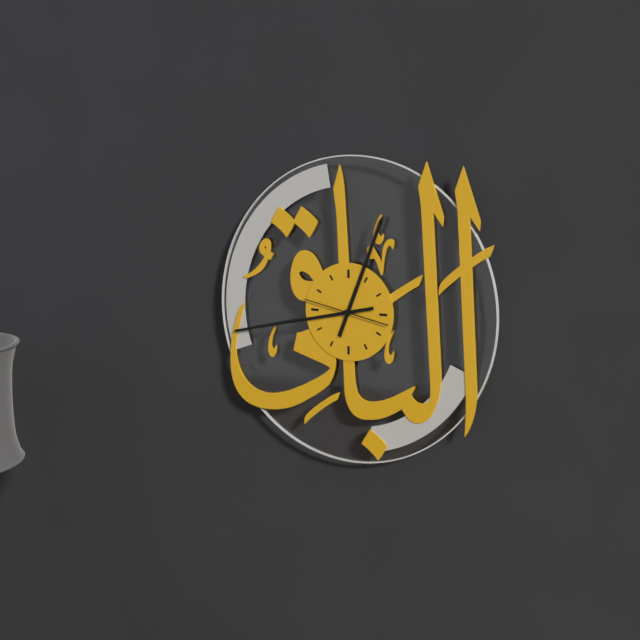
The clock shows **12:43:47**
